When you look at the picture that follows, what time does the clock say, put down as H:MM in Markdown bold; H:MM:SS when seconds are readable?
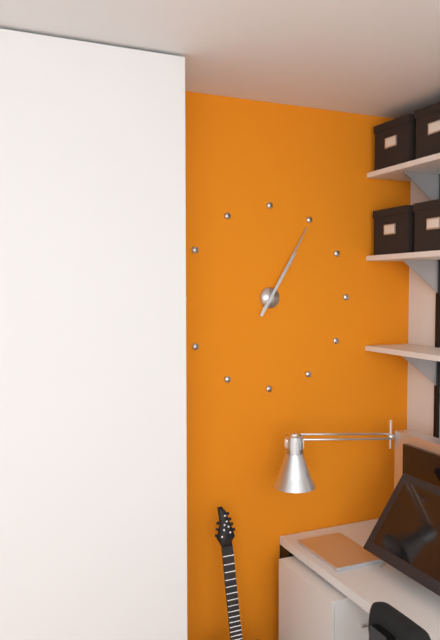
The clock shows **1:05**
